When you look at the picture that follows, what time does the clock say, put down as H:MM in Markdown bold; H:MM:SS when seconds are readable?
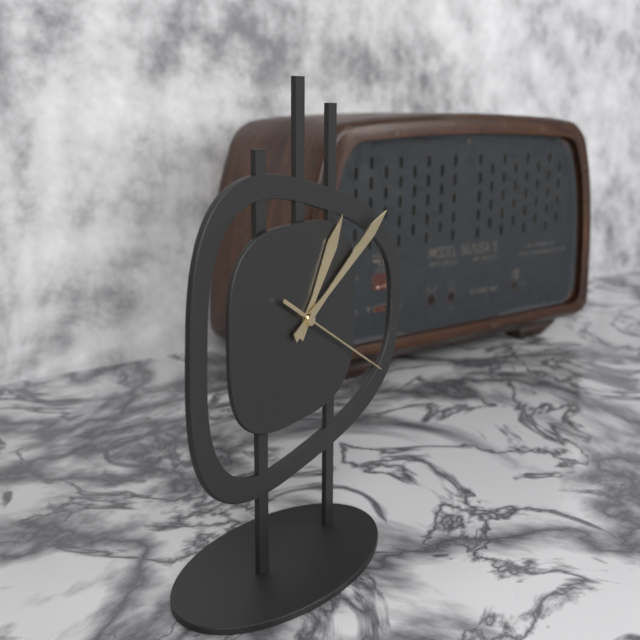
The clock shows **1:10:20**
